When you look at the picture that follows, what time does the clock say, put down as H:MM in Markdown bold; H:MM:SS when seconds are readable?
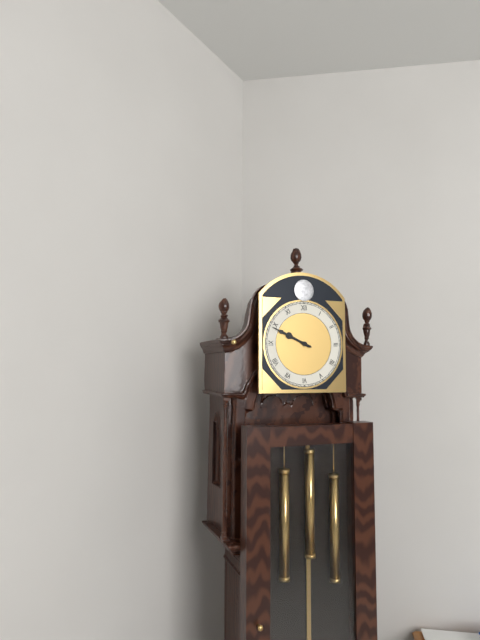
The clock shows **9:49**
